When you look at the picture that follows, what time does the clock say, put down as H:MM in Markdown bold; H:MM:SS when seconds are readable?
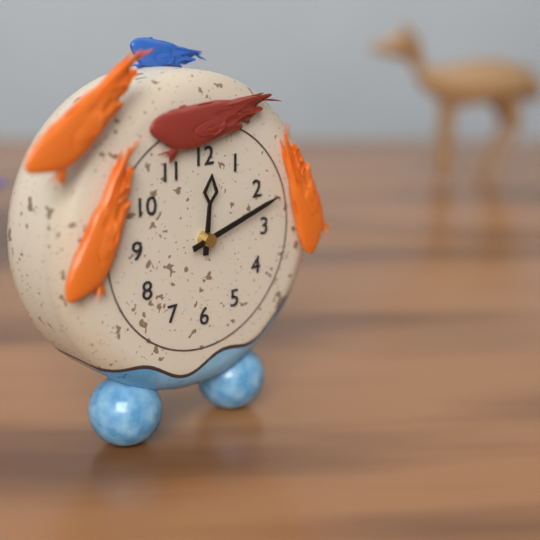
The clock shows **12:12**
